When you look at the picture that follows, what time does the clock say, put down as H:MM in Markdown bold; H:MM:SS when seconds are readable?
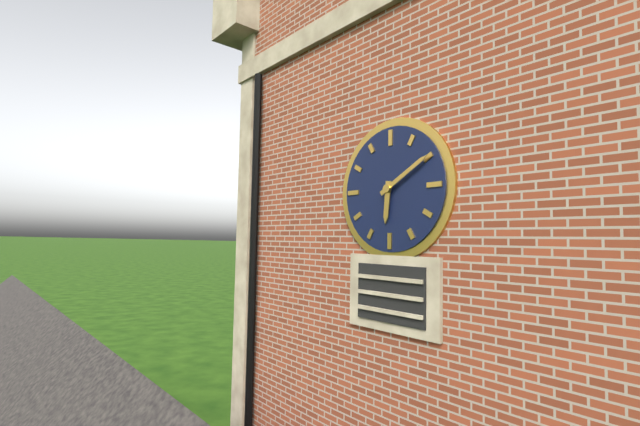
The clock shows **6:10**
